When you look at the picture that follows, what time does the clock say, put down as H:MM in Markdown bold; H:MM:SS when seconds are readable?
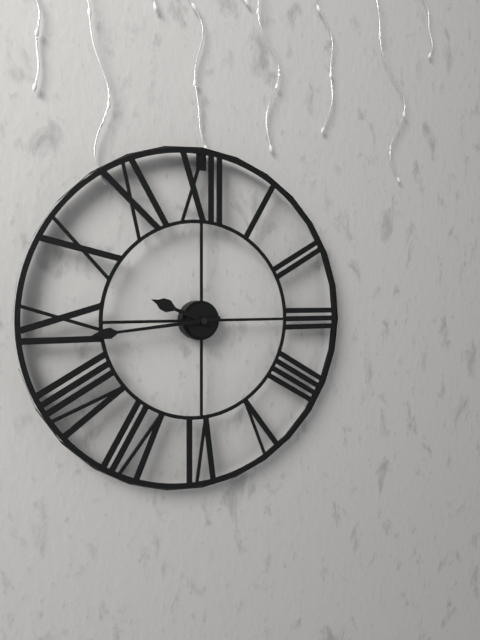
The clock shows **9:44**
